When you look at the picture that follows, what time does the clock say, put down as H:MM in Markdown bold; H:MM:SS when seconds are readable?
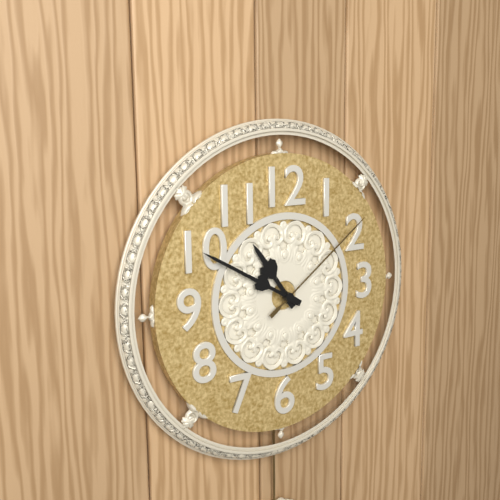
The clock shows **10:50:09**
